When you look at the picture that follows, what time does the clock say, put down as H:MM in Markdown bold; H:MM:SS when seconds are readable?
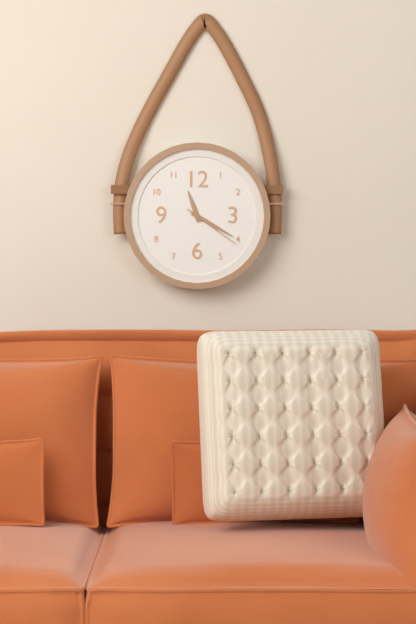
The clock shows **11:20:21**
